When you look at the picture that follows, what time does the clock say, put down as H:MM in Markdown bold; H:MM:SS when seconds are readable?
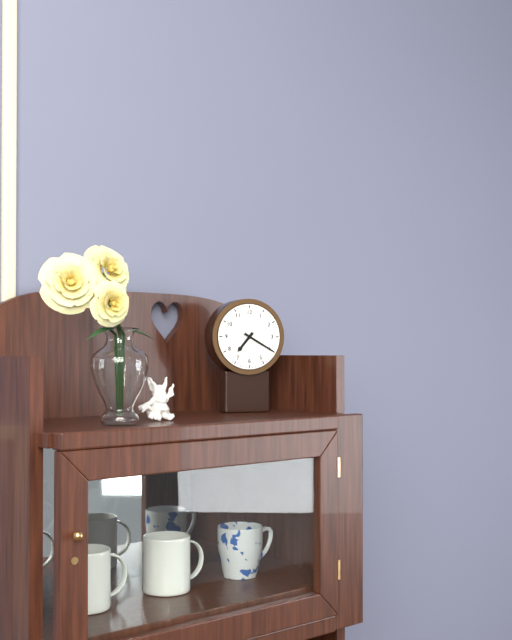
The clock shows **7:20**
